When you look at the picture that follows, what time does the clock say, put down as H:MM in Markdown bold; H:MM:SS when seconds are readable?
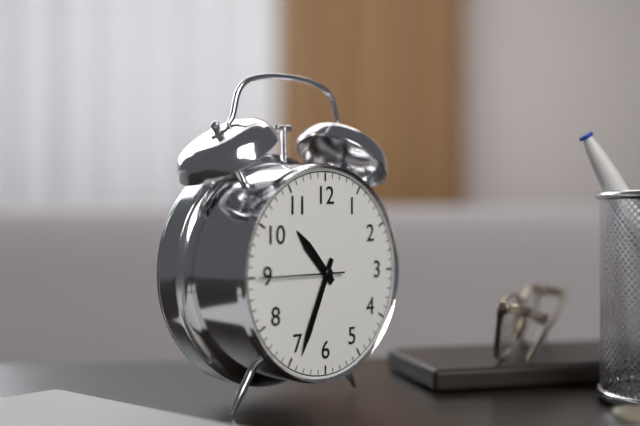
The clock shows **10:34:45**
